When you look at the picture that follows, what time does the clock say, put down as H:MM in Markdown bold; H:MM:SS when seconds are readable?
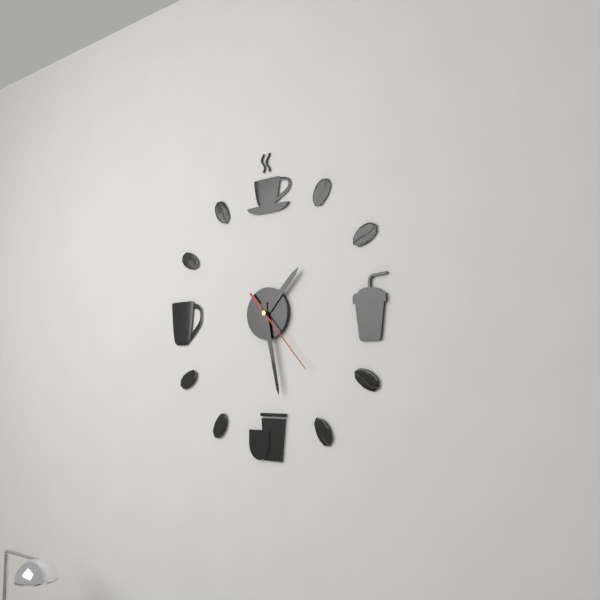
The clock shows **1:28:23**
